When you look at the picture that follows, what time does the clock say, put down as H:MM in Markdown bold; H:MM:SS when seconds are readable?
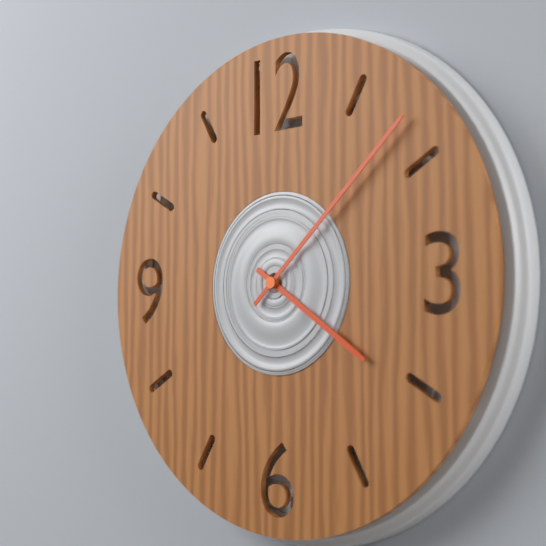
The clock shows **4:08**
